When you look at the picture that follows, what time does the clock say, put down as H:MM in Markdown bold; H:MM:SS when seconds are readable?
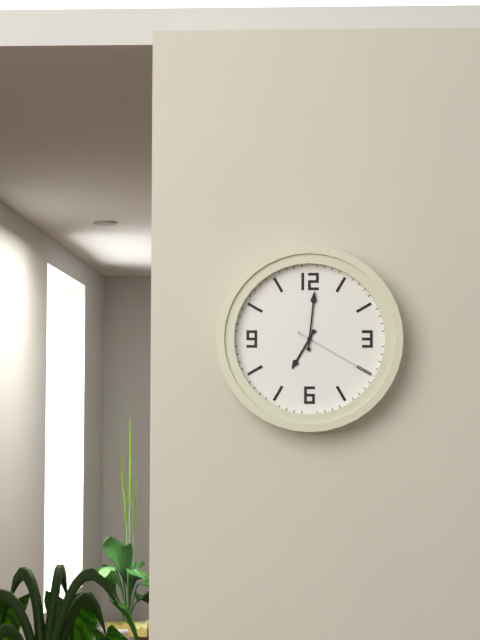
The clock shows **7:01:20**
